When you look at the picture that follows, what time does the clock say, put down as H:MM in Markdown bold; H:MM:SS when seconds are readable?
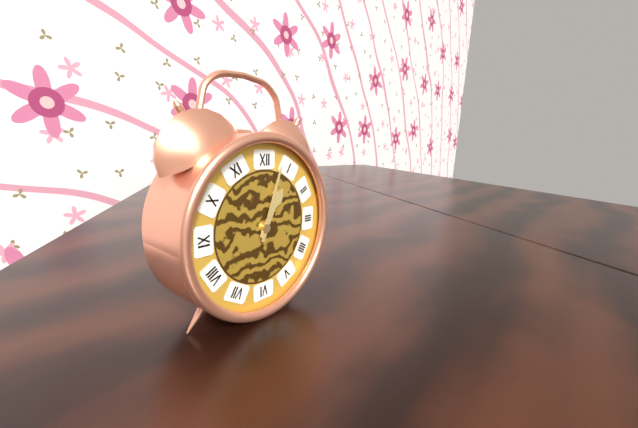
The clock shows **1:03**
